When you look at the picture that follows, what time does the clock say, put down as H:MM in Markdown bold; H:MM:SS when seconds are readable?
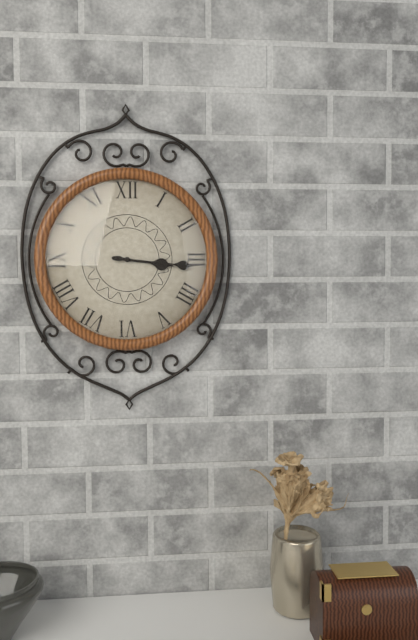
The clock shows **3:16**
